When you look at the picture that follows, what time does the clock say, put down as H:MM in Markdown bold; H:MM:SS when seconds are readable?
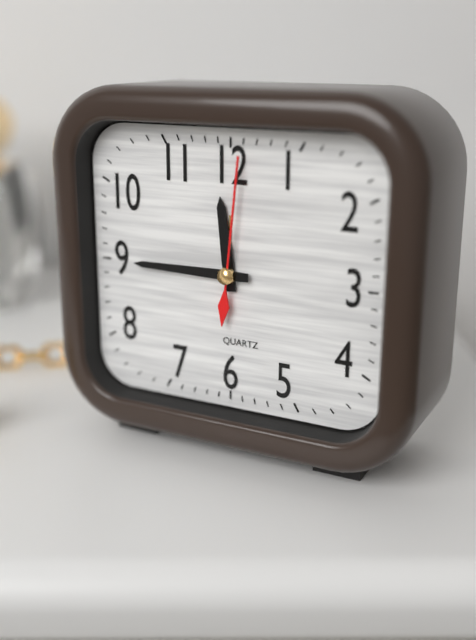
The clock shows **11:45:01**
